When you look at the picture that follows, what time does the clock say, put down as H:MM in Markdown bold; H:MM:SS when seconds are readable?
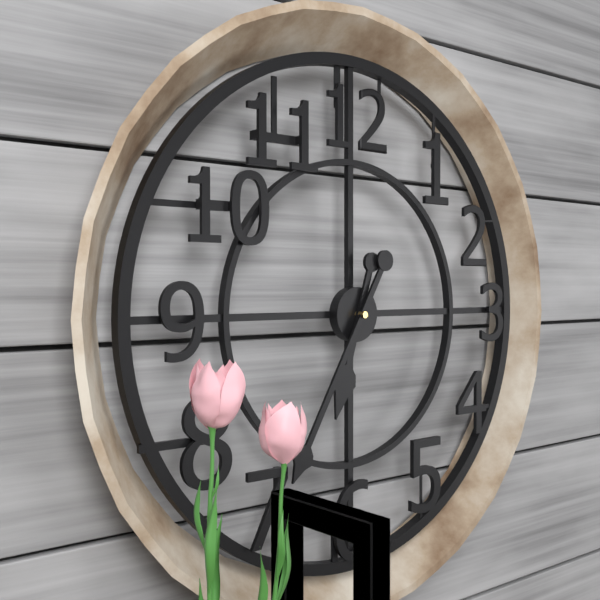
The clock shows **6:35**
